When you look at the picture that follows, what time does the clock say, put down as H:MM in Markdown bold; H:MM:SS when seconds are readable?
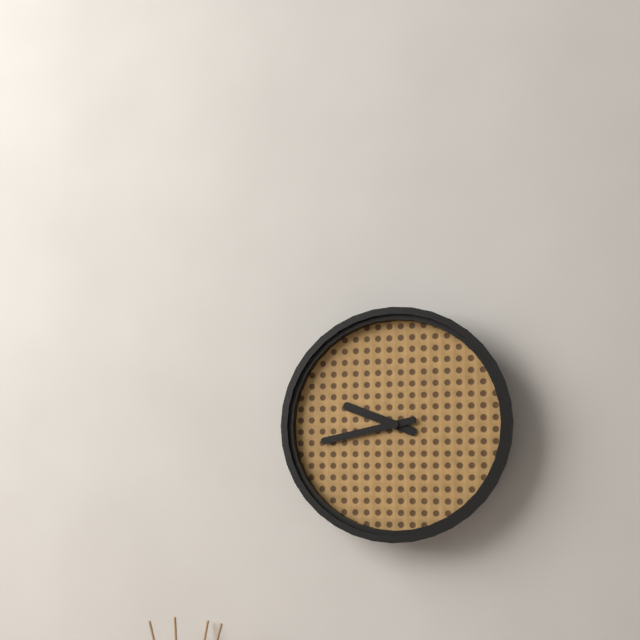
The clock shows **9:43**
